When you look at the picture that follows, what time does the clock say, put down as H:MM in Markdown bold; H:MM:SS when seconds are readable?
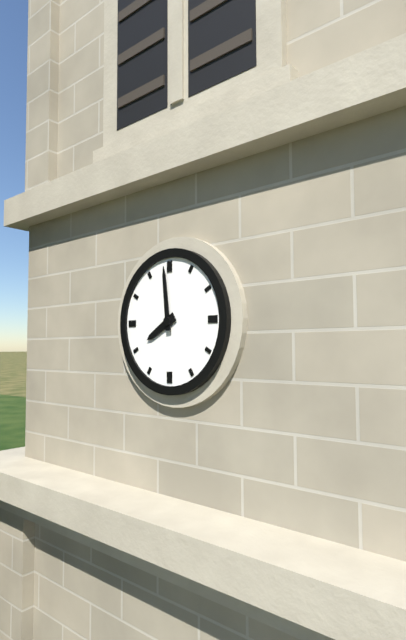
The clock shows **7:59**
